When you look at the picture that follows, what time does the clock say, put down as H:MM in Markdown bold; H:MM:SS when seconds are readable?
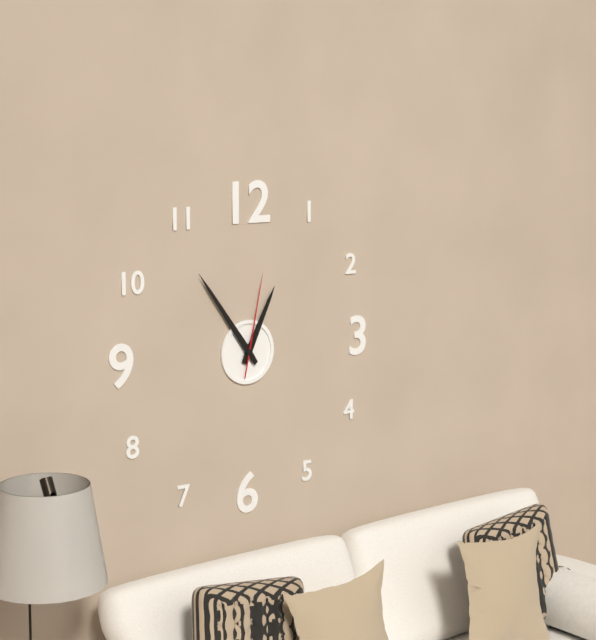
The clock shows **12:54:02**
